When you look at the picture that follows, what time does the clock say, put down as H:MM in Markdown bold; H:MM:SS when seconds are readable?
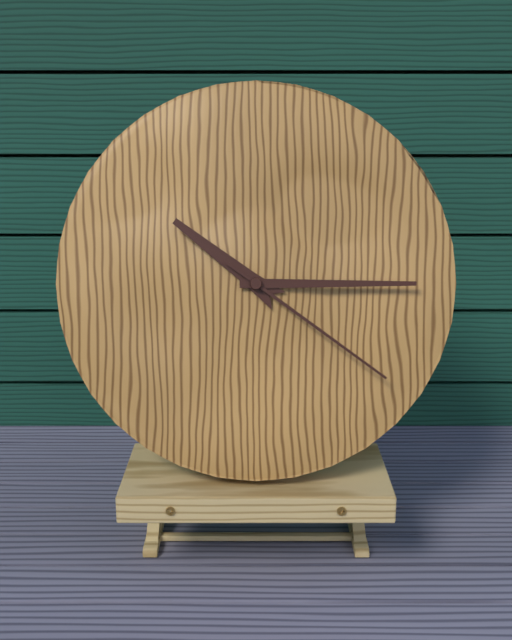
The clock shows **10:15:21**
